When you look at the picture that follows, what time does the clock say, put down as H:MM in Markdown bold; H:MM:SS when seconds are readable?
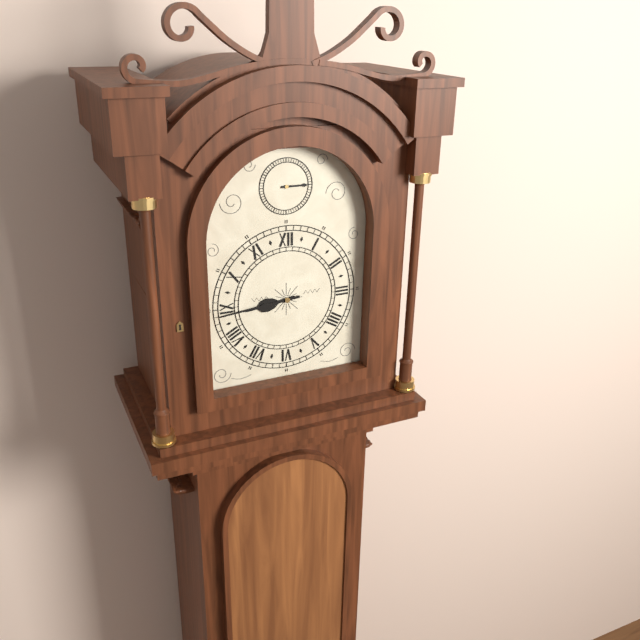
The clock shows **8:44**
